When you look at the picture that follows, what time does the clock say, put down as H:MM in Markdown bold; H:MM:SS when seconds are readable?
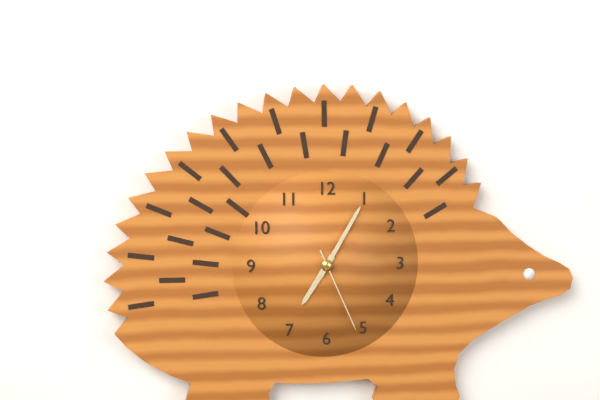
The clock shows **7:05:26**
